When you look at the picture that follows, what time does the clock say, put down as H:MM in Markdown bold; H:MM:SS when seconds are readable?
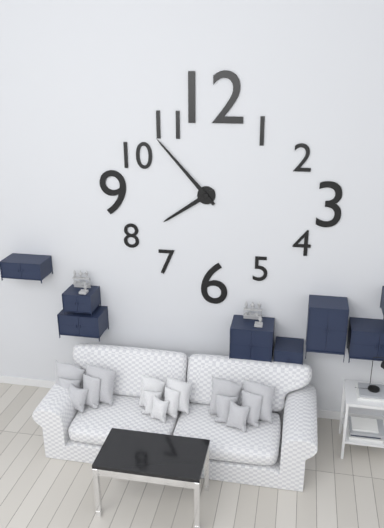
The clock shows **7:53**
